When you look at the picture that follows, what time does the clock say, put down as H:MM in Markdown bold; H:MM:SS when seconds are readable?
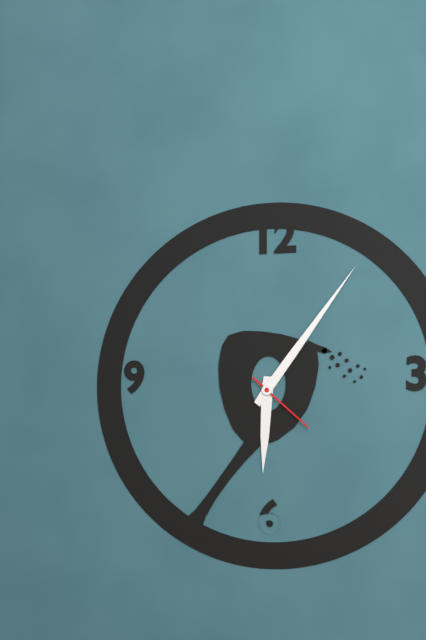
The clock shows **6:06:22**
